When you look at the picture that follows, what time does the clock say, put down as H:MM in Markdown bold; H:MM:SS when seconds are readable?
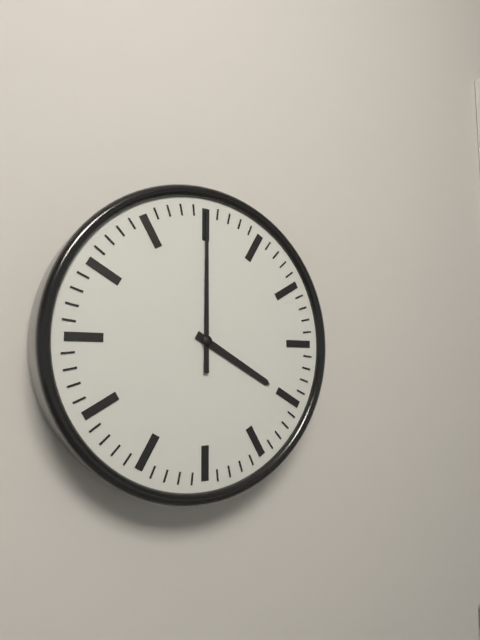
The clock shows **4:00**
